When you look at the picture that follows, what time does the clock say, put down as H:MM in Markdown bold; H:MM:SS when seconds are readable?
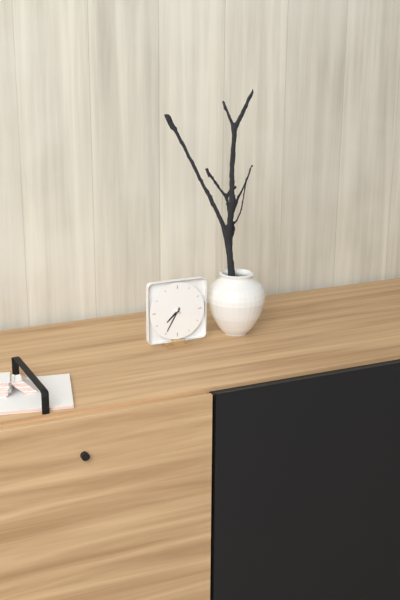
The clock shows **7:35**
